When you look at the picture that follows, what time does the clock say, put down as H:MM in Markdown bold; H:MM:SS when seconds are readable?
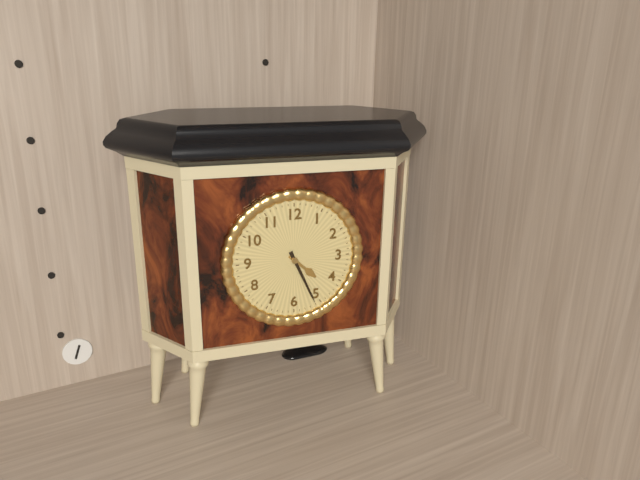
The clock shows **4:26**
